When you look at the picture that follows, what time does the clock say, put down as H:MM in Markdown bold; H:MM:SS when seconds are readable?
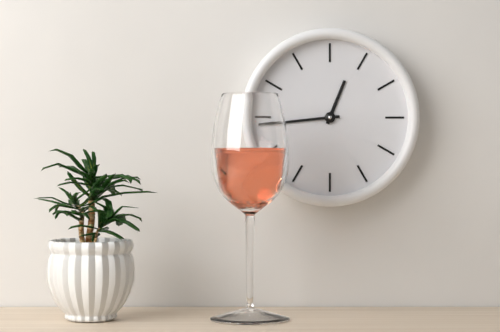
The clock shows **12:44**
